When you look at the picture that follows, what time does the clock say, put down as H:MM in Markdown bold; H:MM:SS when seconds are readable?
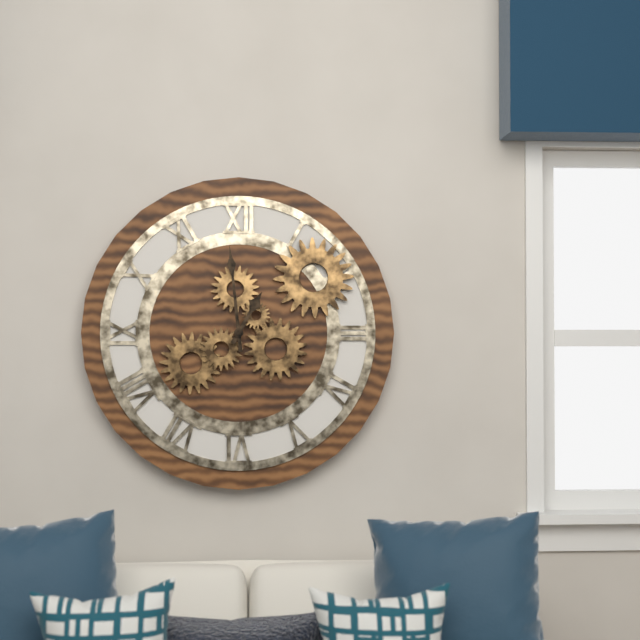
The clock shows **12:59**
